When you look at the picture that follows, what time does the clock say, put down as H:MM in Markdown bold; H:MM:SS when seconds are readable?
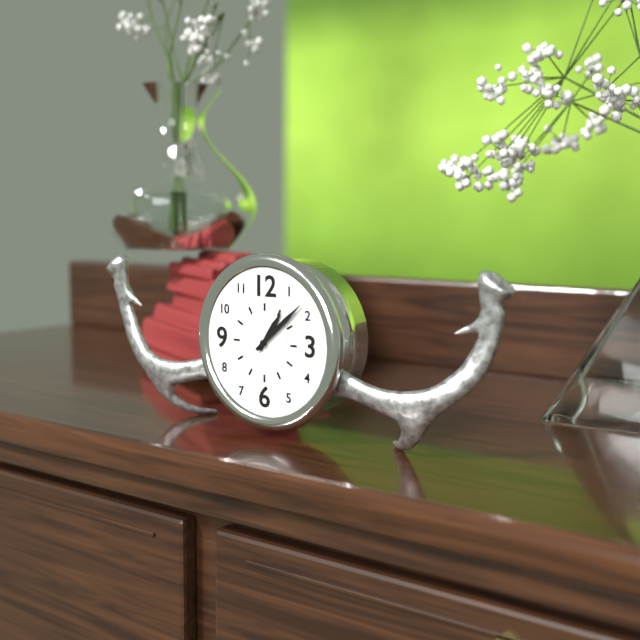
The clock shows **1:08**
